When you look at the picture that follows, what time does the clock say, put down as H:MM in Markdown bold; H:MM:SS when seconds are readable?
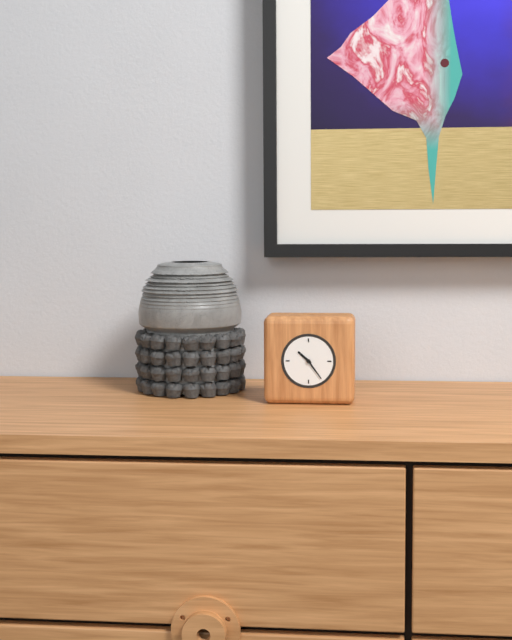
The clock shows **10:24**
